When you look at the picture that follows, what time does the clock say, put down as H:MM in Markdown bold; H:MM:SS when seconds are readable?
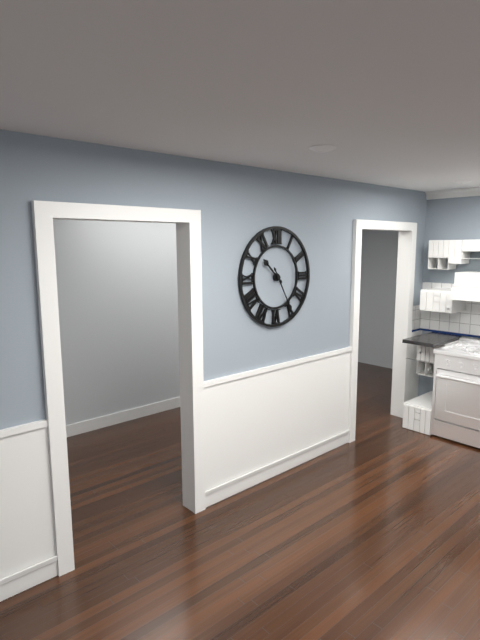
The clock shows **10:25**
